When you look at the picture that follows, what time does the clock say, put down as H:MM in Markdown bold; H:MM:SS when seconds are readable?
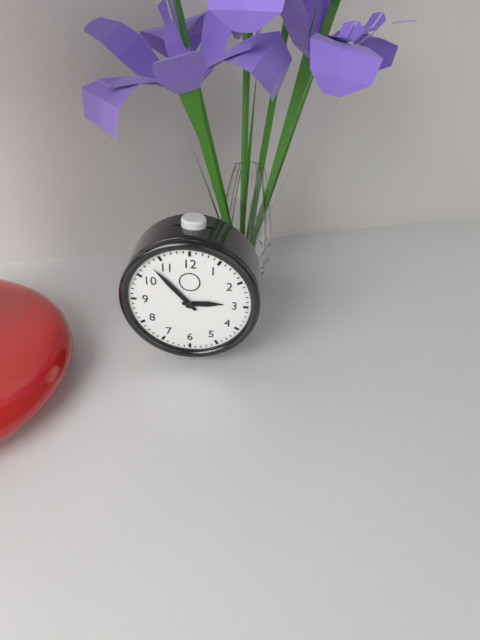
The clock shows **2:53**
